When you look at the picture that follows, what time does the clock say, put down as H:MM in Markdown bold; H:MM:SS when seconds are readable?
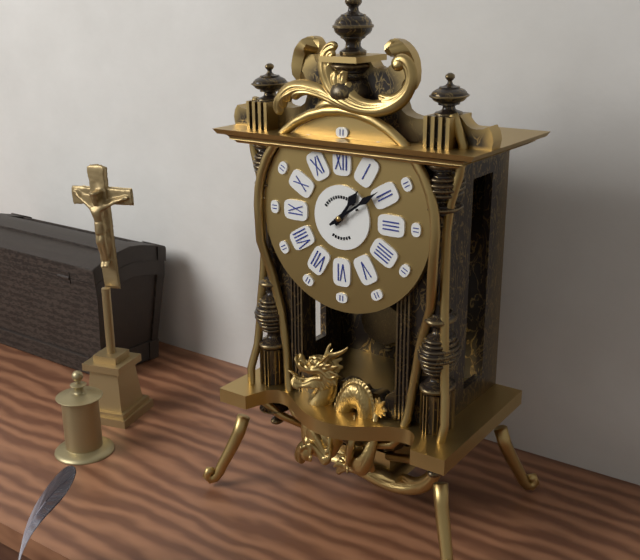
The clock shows **1:09**
